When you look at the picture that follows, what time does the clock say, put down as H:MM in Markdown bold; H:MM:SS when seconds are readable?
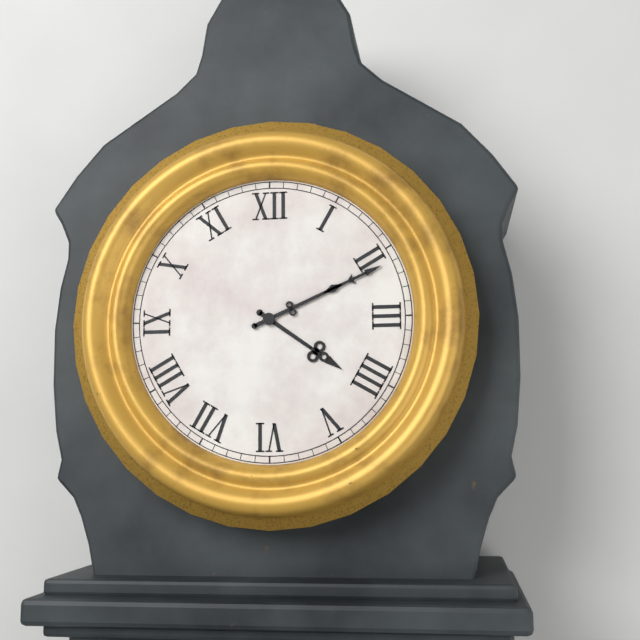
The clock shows **4:11**
